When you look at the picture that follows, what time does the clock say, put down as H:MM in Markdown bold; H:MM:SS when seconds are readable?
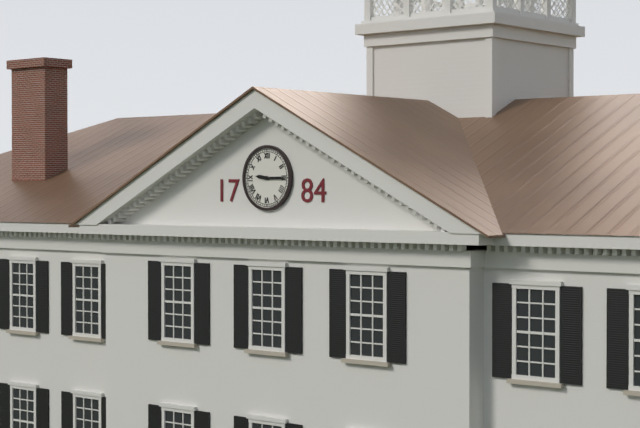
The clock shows **9:15**
